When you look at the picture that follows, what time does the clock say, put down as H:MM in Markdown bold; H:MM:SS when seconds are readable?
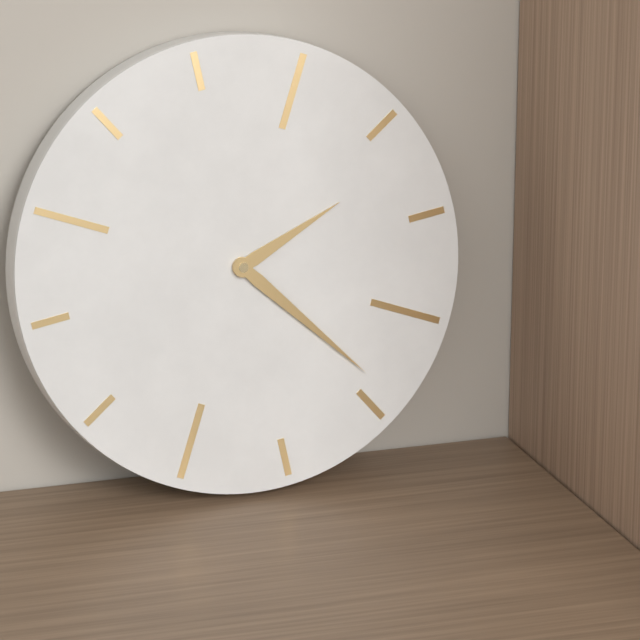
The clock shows **2:24**
